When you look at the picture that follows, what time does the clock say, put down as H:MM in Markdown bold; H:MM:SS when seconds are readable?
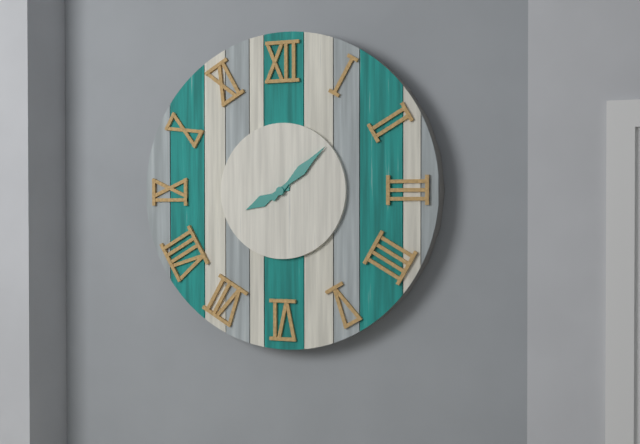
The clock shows **8:08**
